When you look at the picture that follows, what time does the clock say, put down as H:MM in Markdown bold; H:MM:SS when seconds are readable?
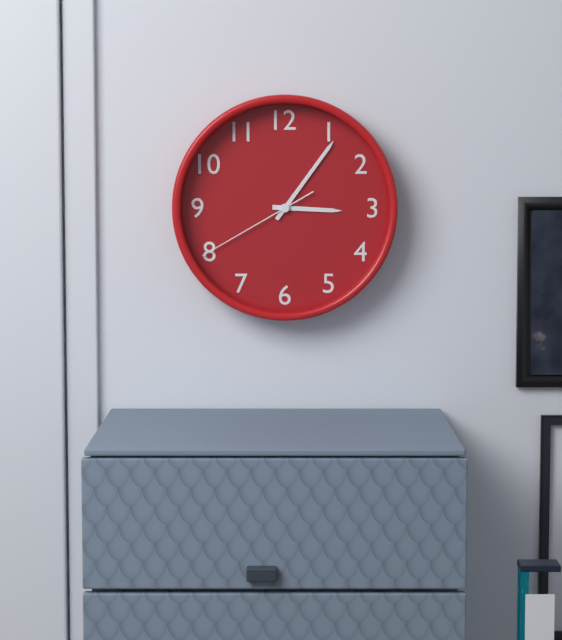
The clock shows **3:06:40**
